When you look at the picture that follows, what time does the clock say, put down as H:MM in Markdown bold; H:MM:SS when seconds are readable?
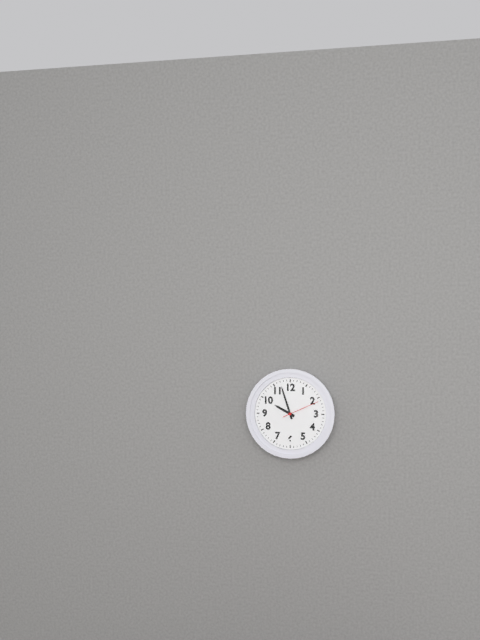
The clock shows **9:57**
